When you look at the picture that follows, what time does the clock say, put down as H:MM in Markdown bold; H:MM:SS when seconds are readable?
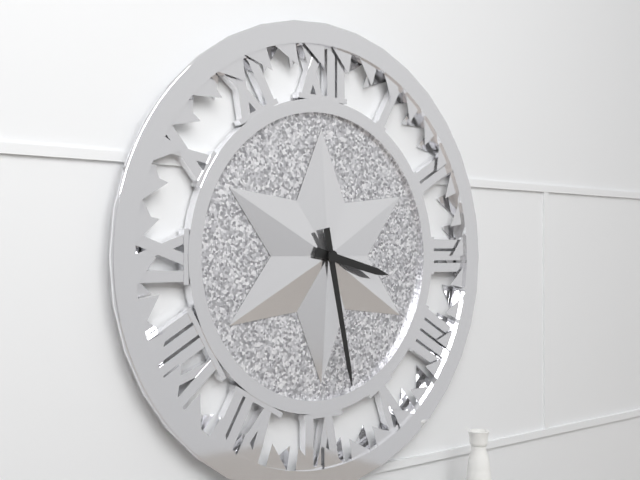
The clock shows **3:28**
